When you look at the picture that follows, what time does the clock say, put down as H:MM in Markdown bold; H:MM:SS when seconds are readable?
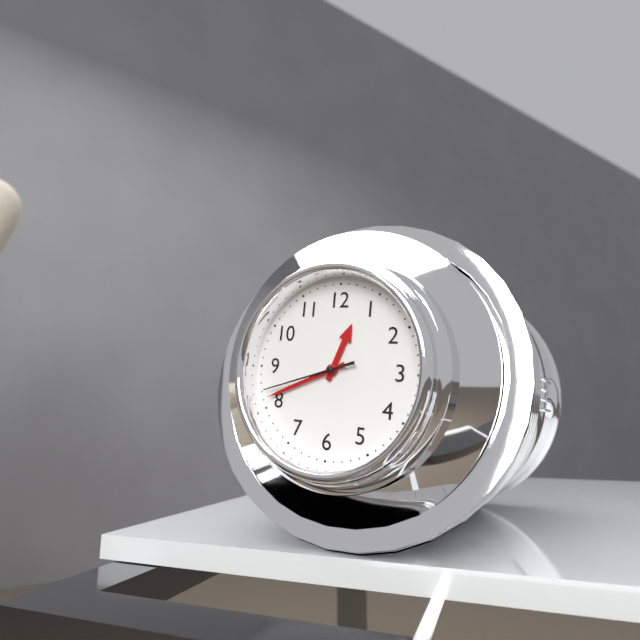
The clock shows **12:41:42**
